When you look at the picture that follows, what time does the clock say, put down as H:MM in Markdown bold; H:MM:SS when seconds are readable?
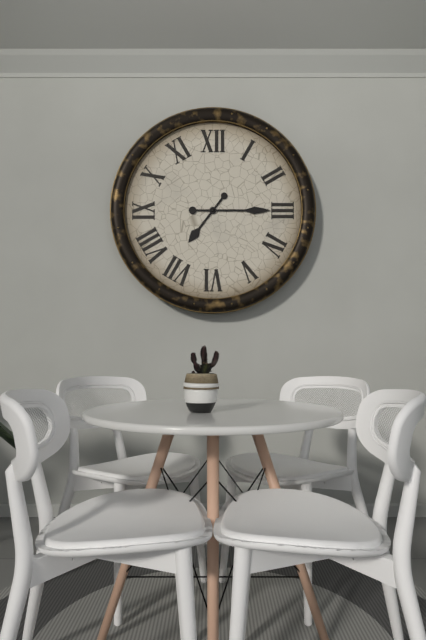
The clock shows **7:15**
